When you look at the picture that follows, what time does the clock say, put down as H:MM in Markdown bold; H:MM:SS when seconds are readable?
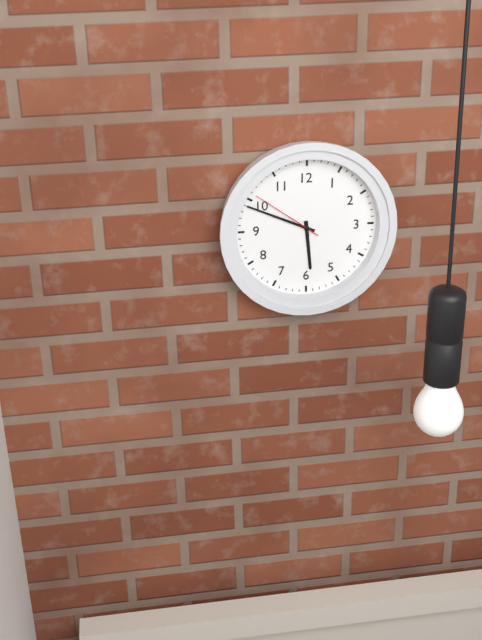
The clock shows **5:49:51**
